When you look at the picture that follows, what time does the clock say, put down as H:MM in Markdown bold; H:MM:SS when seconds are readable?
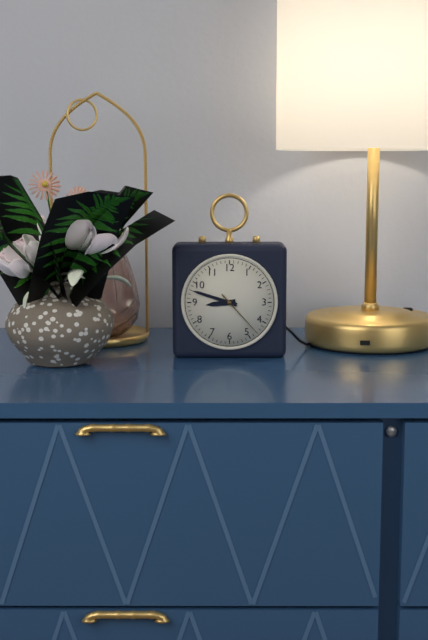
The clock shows **8:48:23**
